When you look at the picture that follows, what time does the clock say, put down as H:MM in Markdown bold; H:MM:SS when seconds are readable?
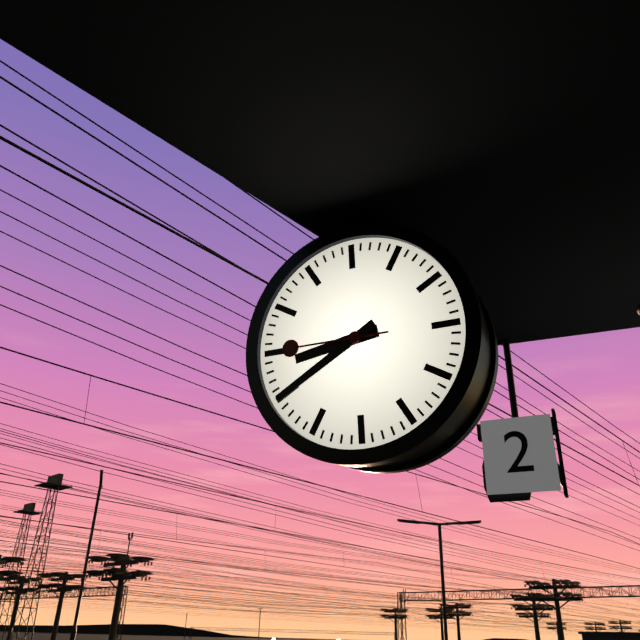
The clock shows **8:40:45**
